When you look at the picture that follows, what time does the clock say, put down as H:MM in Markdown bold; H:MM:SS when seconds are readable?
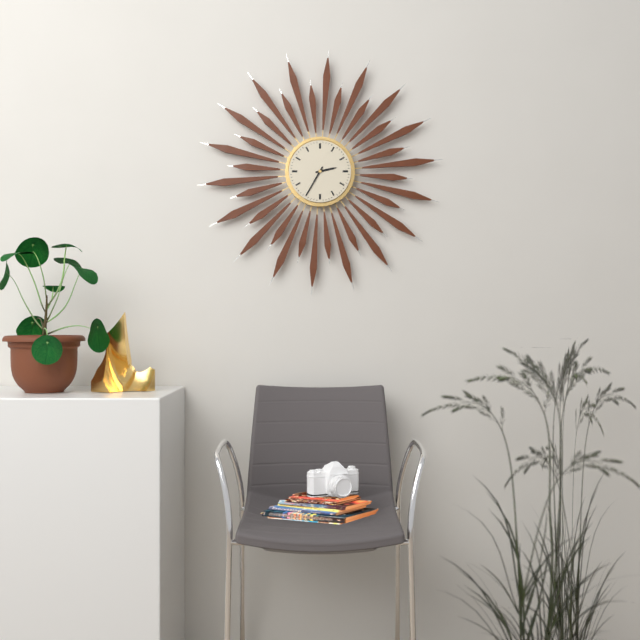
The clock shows **2:35**
